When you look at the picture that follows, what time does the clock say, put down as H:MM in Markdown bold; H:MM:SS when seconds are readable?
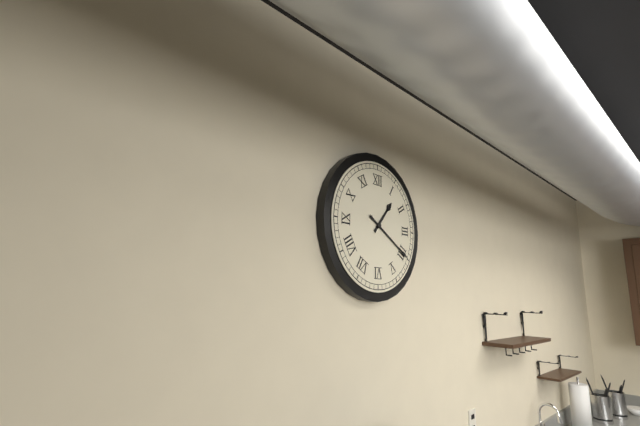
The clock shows **1:20**
